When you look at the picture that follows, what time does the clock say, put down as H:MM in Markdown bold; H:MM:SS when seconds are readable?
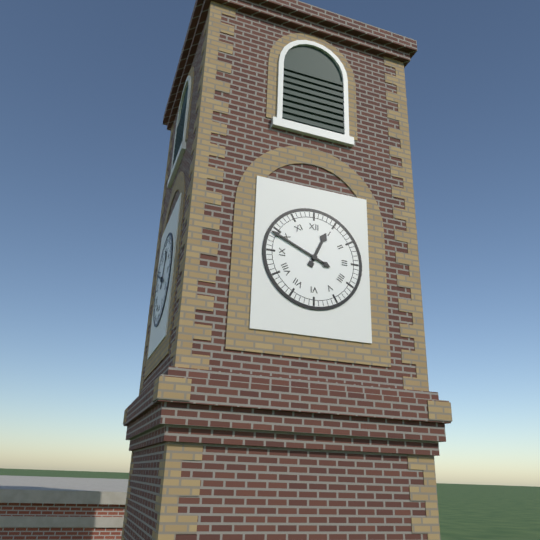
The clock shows **12:49**
